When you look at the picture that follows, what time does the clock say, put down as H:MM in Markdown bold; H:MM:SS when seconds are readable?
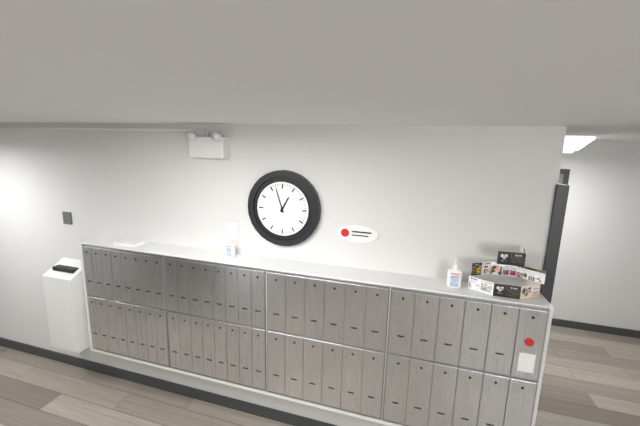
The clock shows **12:57**
